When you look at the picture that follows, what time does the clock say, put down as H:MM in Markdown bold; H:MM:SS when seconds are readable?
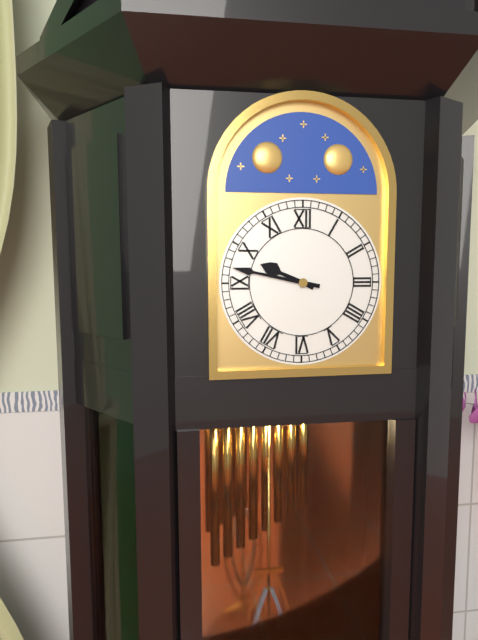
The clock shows **9:47**
